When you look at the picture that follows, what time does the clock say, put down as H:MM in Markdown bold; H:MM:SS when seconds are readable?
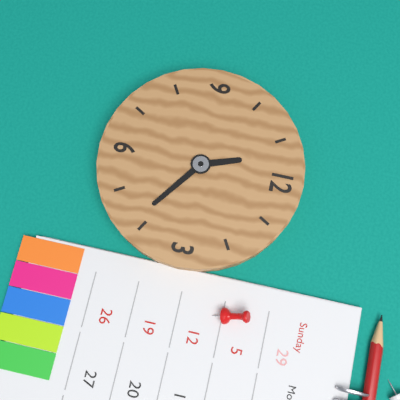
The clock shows **11:21**
